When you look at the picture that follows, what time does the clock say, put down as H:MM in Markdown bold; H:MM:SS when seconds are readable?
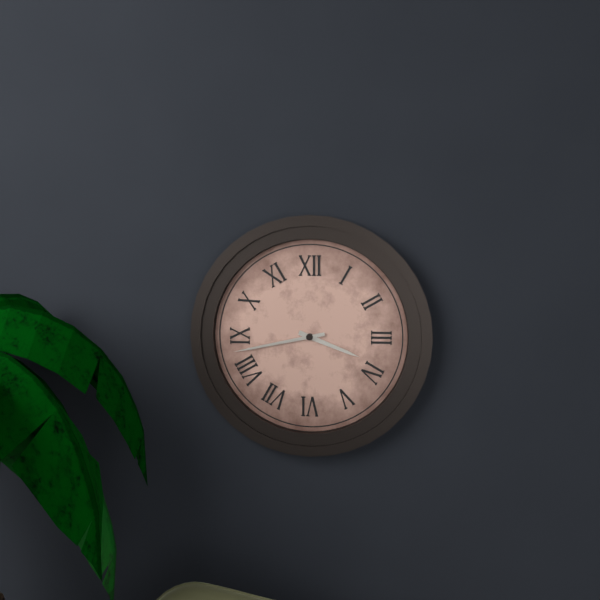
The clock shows **3:43**
